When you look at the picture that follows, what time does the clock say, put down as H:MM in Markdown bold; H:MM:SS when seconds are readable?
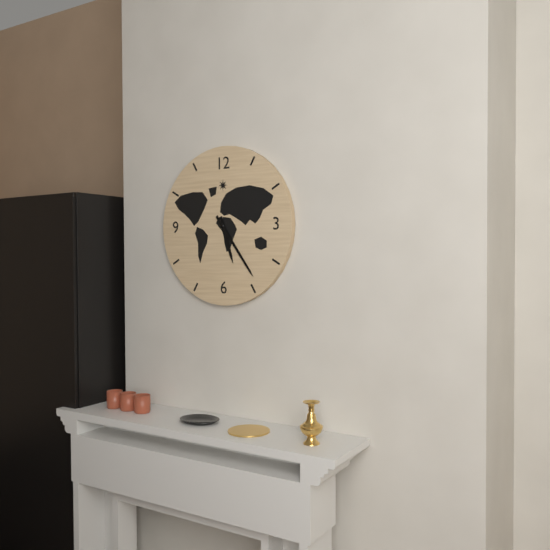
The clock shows **5:24**
